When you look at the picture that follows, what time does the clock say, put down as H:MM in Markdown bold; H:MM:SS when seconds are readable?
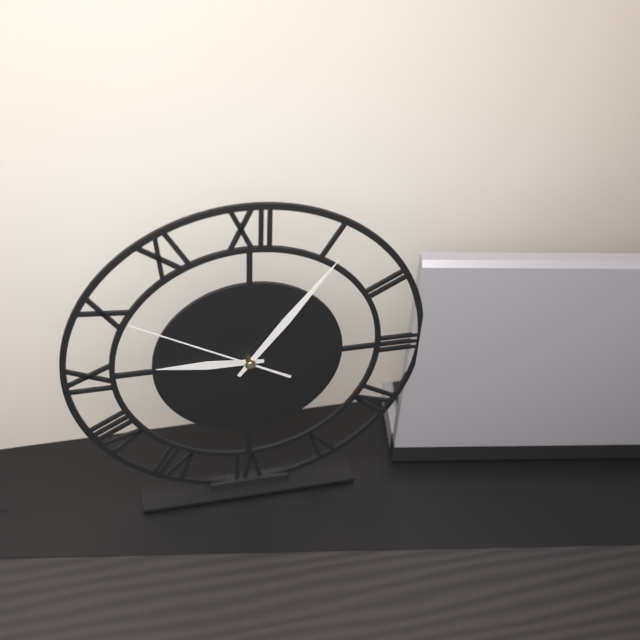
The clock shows **9:06:50**
